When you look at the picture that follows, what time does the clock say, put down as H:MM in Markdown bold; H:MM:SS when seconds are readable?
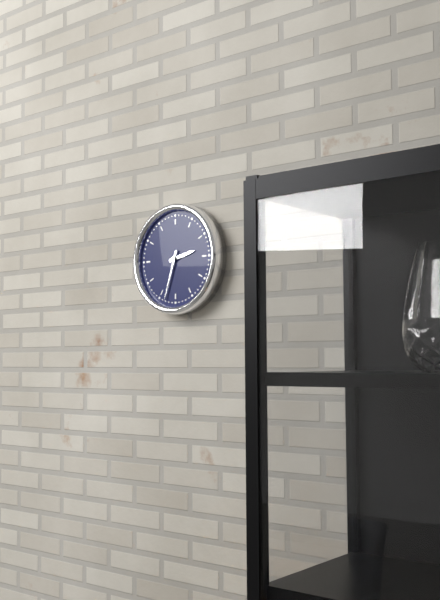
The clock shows **2:33**
